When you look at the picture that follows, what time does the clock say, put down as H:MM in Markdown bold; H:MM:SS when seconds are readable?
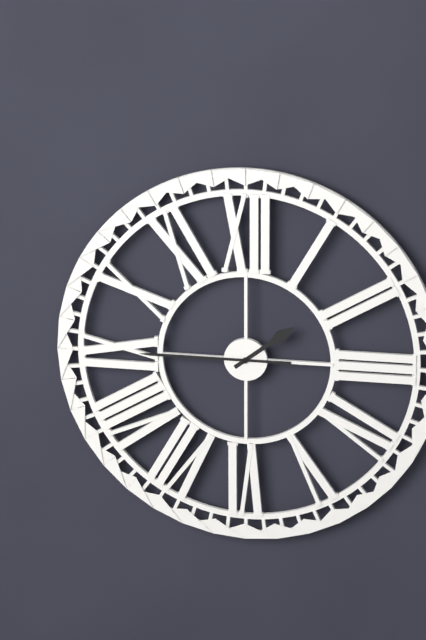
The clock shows **1:45**
